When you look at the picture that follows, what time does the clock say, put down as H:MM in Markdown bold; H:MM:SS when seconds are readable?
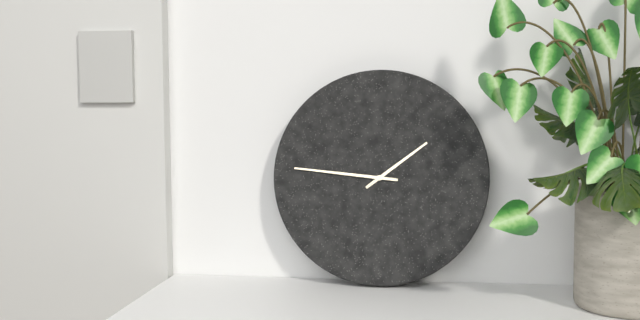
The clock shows **1:46**
